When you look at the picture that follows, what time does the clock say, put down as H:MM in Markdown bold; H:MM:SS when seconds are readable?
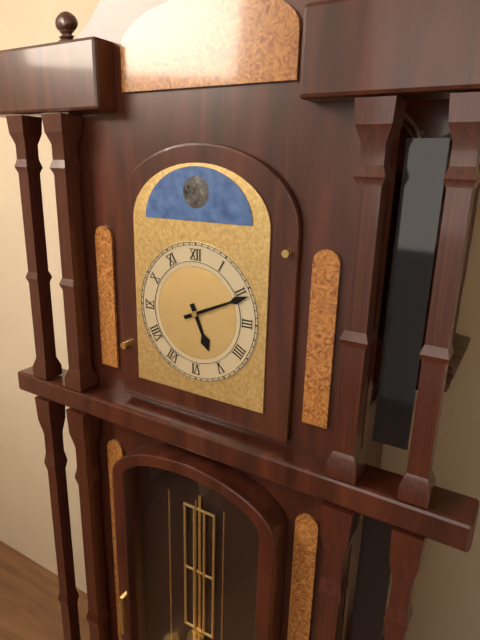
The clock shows **5:11**
